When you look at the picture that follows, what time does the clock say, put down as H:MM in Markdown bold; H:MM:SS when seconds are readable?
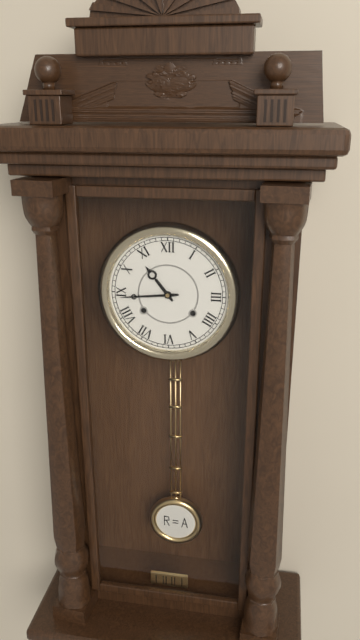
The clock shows **10:44**
